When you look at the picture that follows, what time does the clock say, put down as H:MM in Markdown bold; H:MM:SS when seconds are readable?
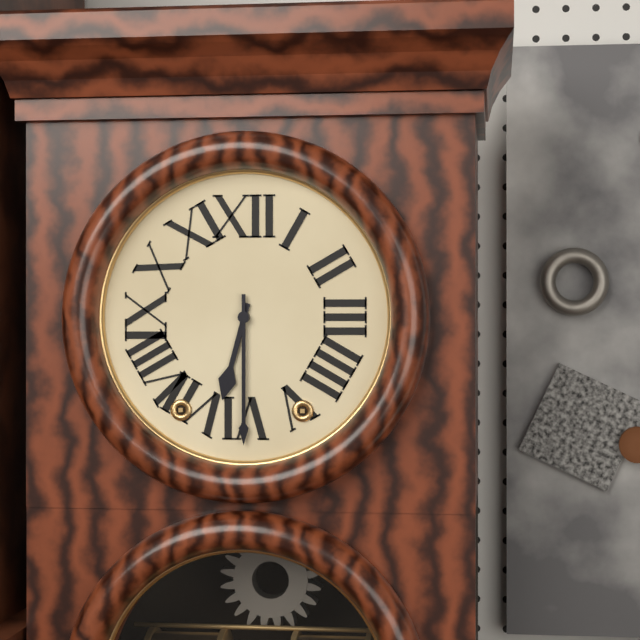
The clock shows **6:30**
